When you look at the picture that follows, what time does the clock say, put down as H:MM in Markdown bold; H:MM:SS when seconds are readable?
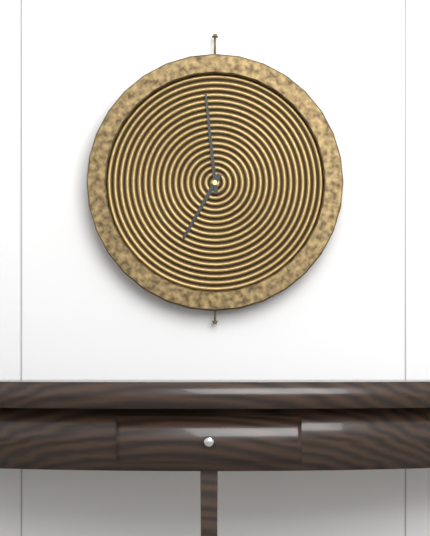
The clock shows **6:59**
